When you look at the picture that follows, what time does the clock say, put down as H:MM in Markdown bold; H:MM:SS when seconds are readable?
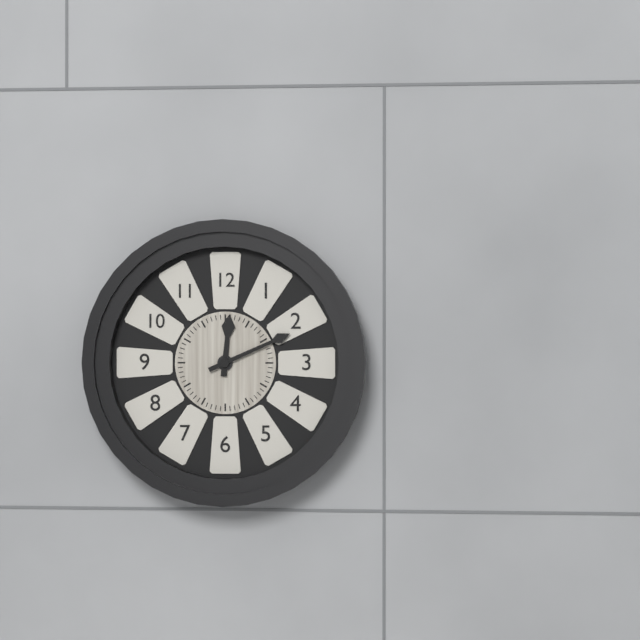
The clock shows **12:11**
